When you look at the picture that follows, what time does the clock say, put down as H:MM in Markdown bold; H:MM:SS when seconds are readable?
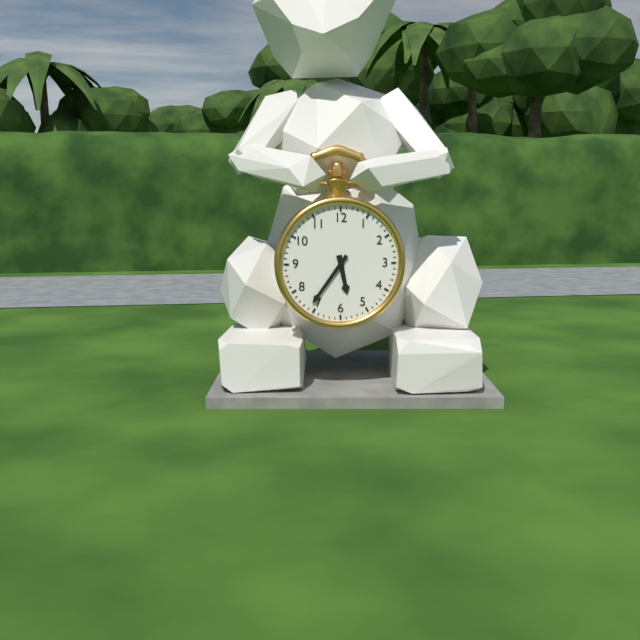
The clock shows **5:36**
